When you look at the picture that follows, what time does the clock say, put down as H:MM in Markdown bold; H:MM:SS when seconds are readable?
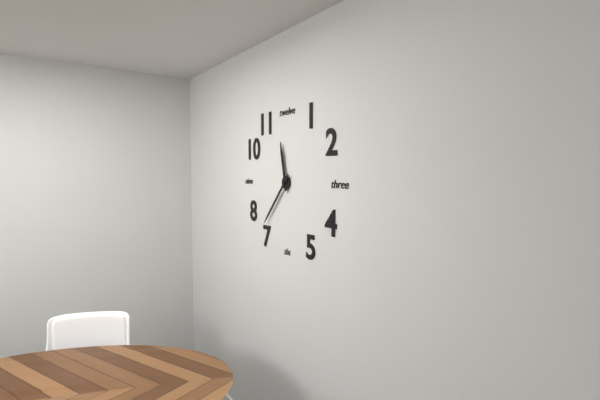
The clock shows **11:37**
